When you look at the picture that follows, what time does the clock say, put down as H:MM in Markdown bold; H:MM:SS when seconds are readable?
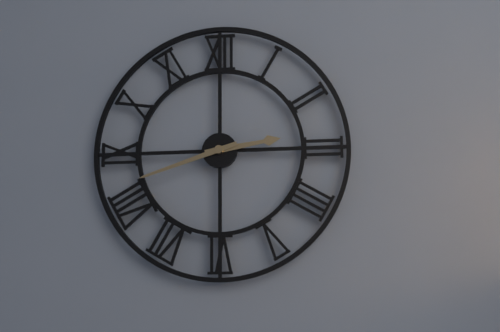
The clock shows **2:42**
